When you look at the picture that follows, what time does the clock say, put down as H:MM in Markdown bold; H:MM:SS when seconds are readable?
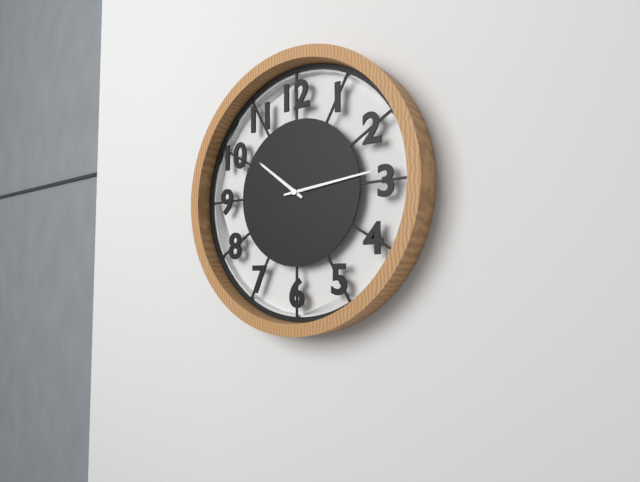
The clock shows **10:14**
